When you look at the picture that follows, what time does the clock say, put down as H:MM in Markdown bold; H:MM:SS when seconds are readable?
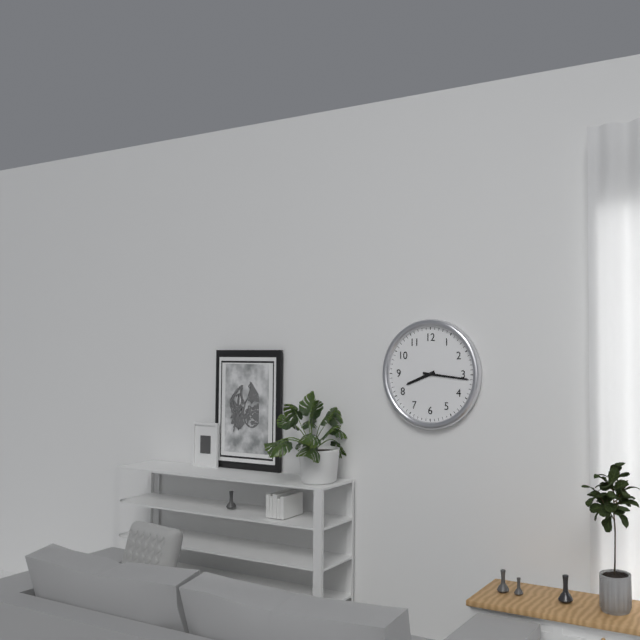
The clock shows **8:16**
